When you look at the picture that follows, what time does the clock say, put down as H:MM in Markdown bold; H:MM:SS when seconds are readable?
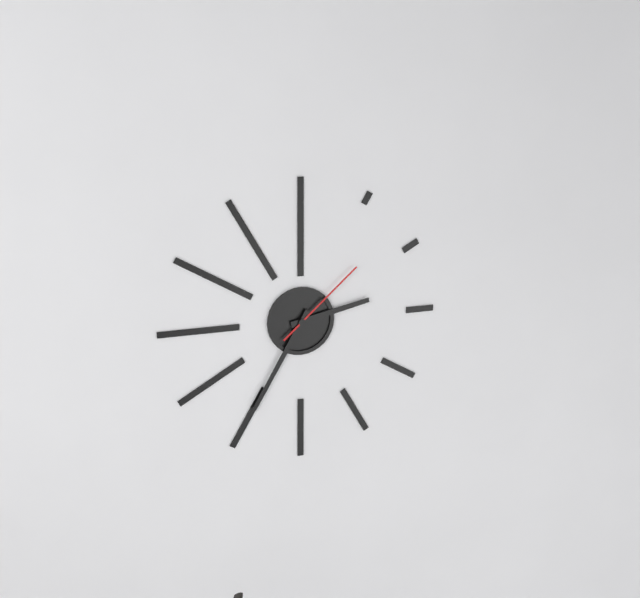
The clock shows **2:35:08**
